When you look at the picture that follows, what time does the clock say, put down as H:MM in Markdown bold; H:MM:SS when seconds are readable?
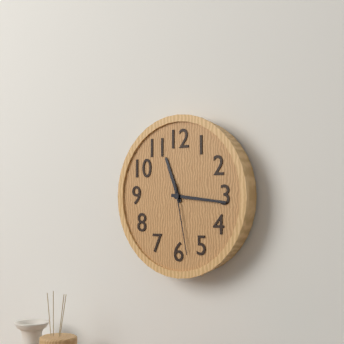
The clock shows **11:16:28**
